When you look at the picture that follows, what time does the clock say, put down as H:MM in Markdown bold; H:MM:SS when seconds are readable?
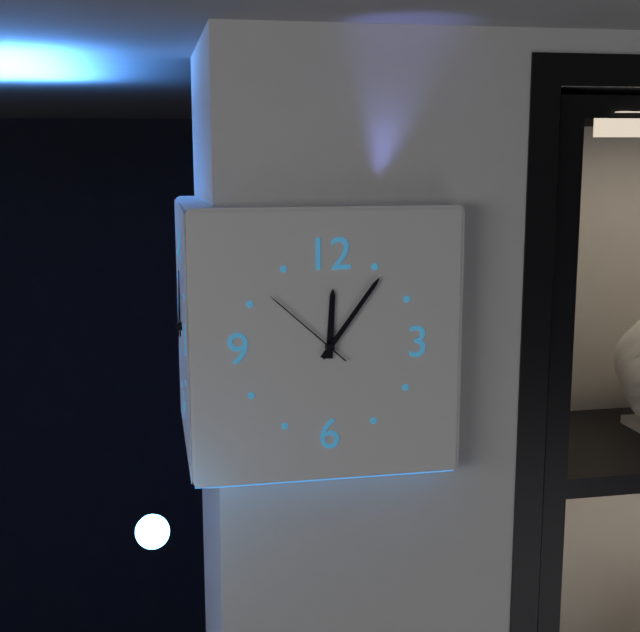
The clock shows **12:06:52**
